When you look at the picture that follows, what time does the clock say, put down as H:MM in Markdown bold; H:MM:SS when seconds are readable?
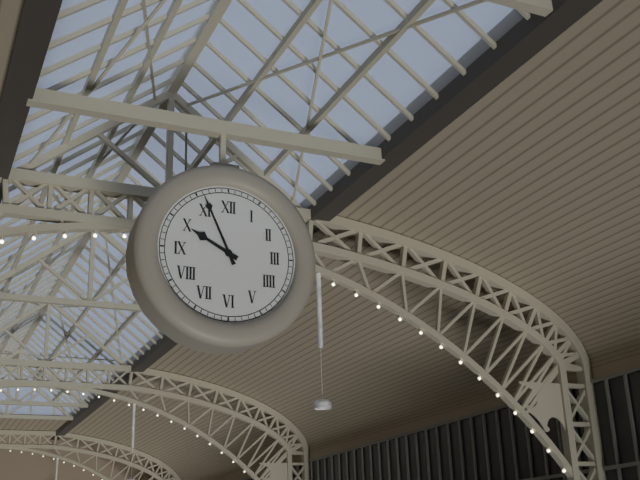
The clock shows **9:56**
